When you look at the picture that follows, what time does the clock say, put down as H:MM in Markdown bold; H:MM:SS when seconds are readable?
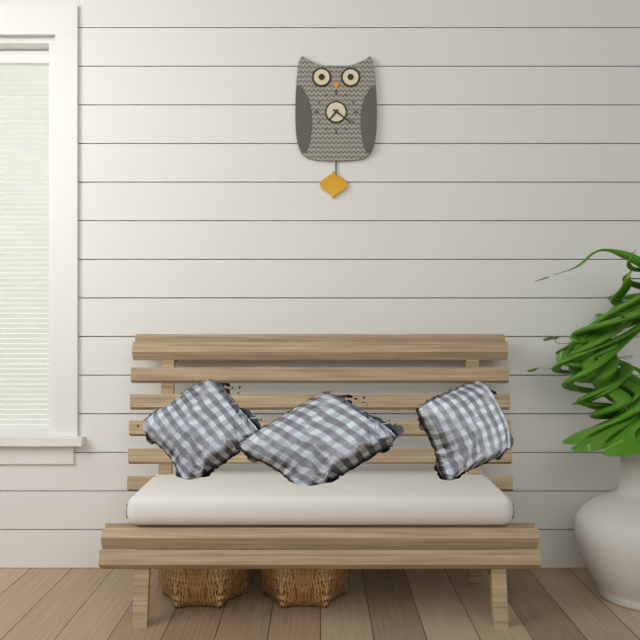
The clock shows **7:21**
